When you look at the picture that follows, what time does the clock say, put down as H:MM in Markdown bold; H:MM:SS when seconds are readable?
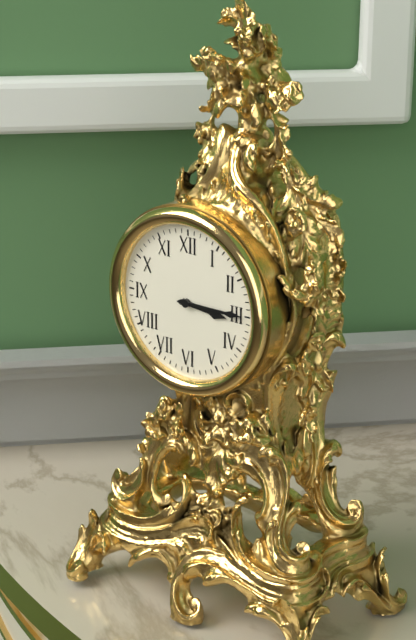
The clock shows **3:15**
